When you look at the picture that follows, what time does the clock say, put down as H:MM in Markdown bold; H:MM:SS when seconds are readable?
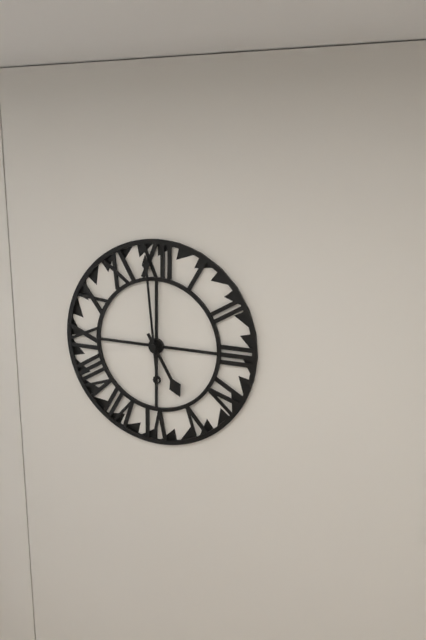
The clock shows **4:59**
